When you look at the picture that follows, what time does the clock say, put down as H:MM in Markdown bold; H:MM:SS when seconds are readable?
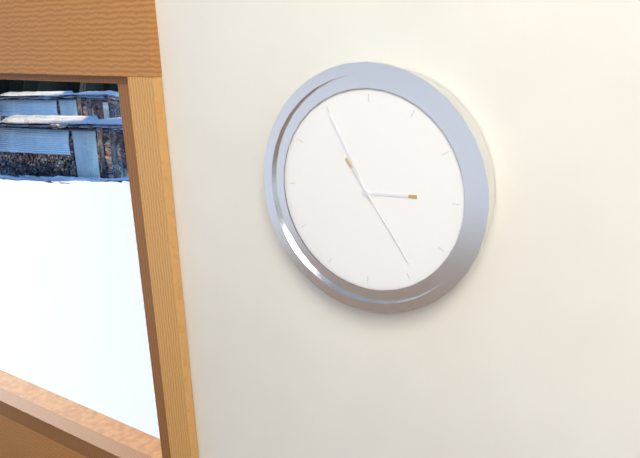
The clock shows **2:55:24**
